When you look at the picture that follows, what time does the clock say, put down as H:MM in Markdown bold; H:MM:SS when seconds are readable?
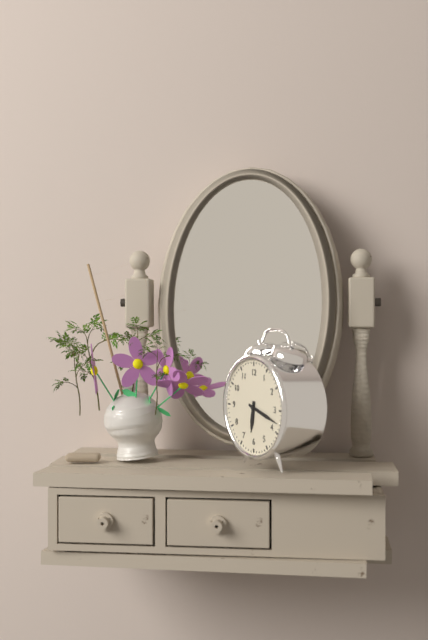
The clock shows **6:18**
